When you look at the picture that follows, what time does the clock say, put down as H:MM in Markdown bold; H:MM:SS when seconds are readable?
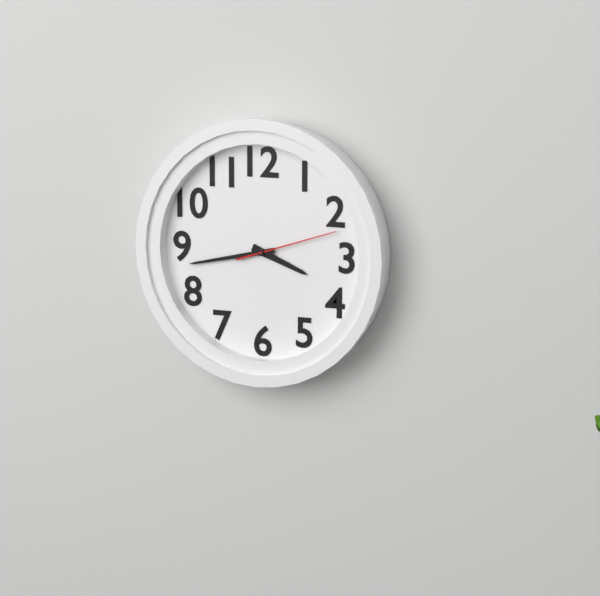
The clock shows **3:43:12**
